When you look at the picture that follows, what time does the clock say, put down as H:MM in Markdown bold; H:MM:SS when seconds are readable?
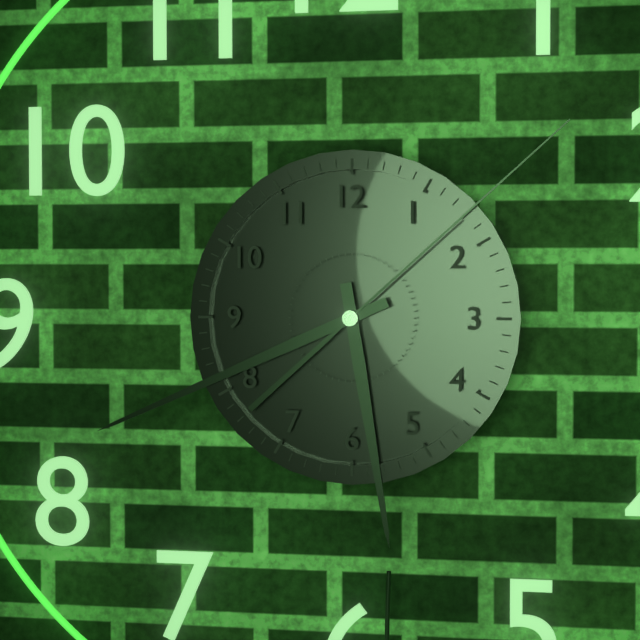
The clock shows **5:41:08**
